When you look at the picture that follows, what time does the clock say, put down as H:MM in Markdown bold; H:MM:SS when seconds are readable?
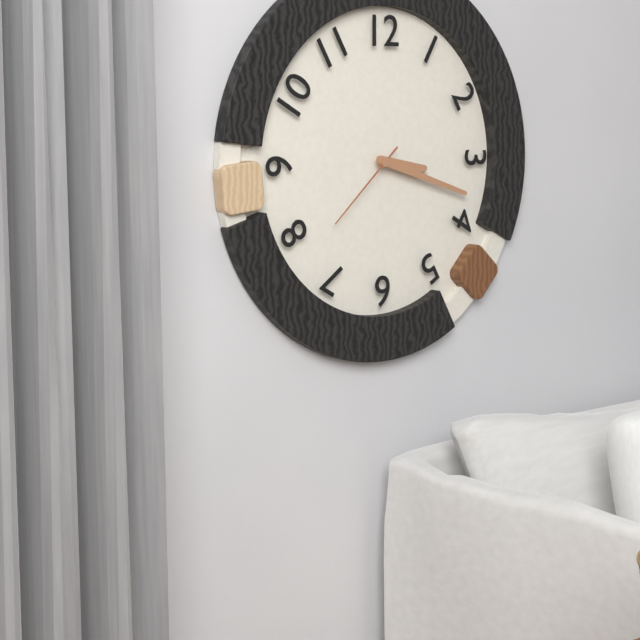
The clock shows **3:18:38**
